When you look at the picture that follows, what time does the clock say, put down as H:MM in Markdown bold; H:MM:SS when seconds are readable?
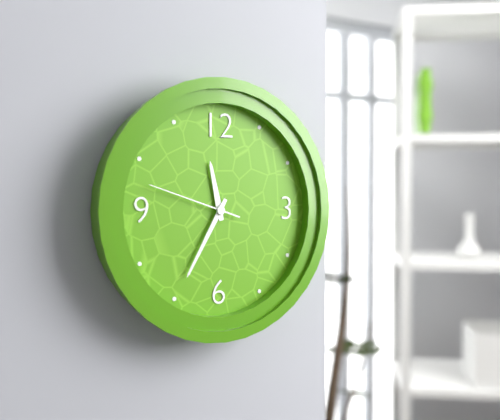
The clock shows **11:35:48**
